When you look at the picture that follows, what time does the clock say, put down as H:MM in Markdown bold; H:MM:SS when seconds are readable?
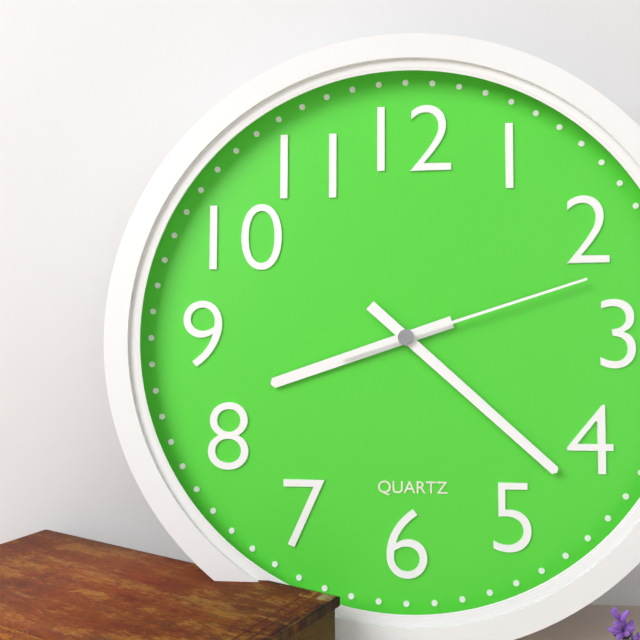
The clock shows **8:22:12**
